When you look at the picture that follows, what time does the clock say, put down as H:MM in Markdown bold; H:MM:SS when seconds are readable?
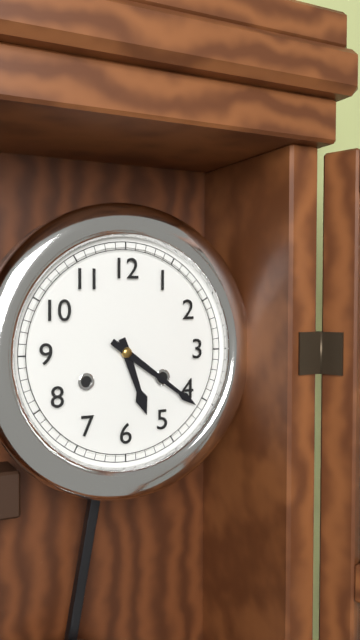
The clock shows **5:21**
